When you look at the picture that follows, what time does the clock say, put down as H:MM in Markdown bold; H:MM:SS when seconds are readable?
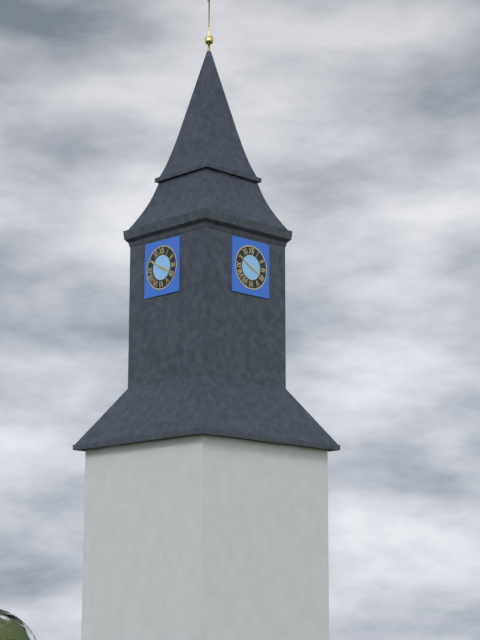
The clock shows **3:50**
